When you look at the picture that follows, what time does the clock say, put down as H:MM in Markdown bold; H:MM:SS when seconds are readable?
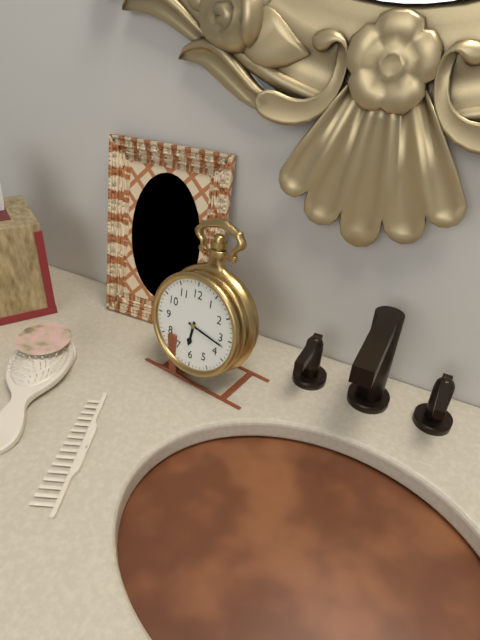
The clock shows **6:17**
